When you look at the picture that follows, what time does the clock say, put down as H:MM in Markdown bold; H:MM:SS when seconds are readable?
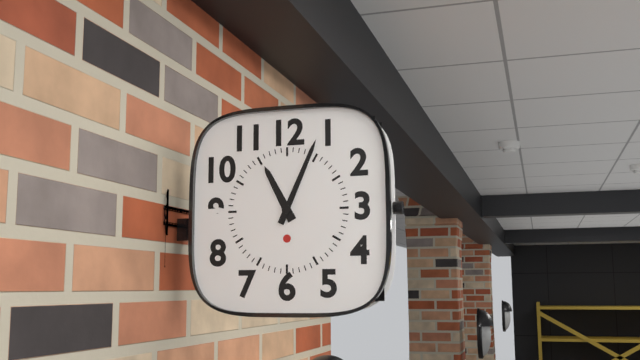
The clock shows **11:04**
